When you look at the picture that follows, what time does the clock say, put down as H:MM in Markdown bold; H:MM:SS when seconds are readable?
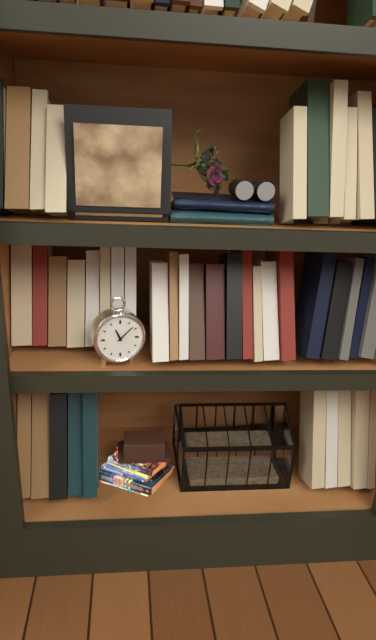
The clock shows **11:08**
